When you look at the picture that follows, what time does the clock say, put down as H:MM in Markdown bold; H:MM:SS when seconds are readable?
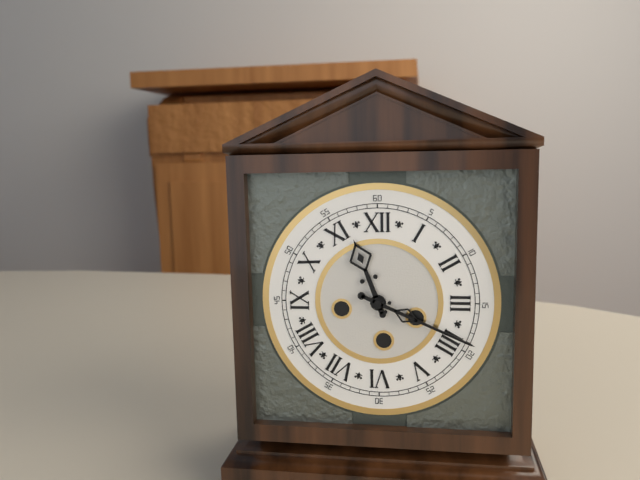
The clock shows **11:19**
